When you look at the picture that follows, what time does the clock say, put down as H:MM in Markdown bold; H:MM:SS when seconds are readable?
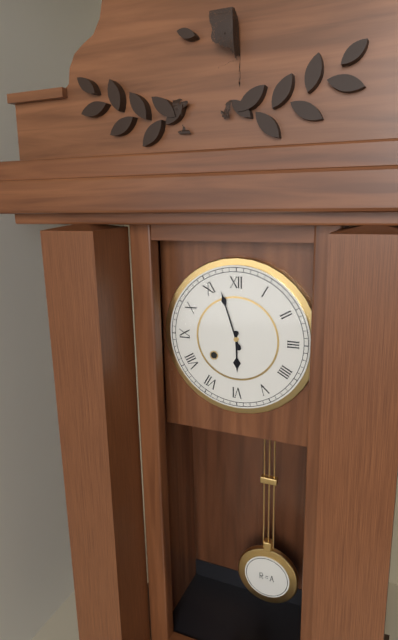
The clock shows **5:57**
